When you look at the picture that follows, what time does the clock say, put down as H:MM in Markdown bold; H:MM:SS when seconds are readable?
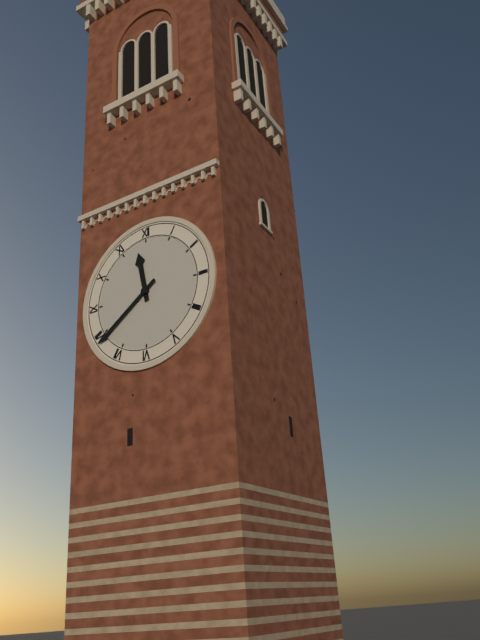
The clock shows **11:39**
